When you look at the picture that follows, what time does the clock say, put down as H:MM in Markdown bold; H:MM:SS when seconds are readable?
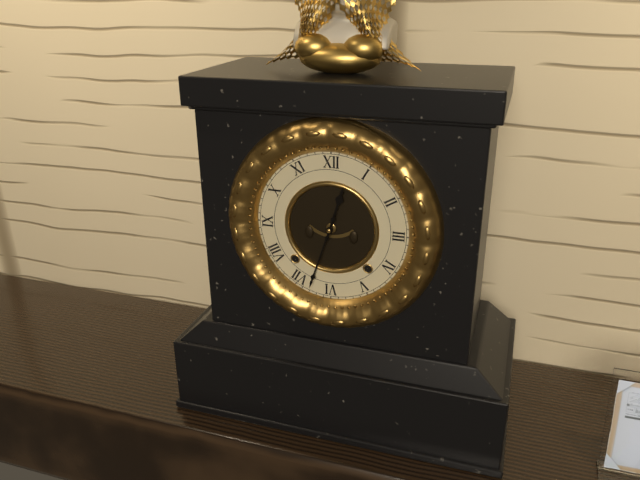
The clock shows **12:33**
